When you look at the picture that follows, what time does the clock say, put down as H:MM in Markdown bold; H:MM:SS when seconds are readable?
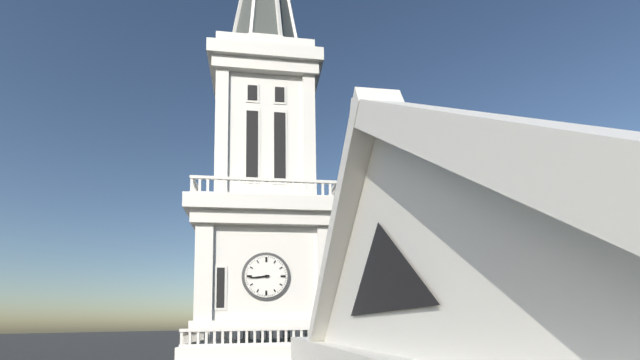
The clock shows **8:44**
